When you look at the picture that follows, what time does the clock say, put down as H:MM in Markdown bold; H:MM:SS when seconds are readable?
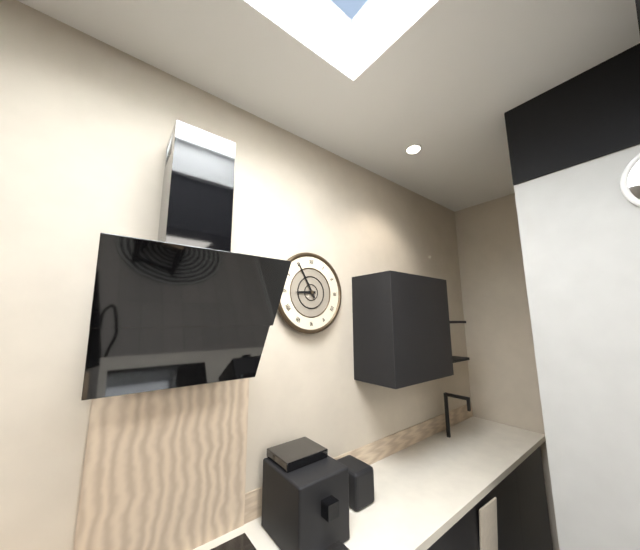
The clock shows **8:55**
